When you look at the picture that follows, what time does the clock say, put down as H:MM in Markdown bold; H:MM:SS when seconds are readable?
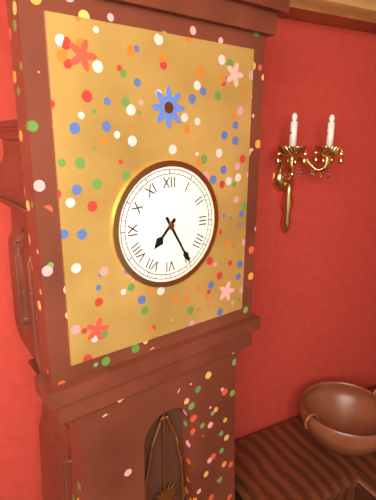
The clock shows **7:25**
